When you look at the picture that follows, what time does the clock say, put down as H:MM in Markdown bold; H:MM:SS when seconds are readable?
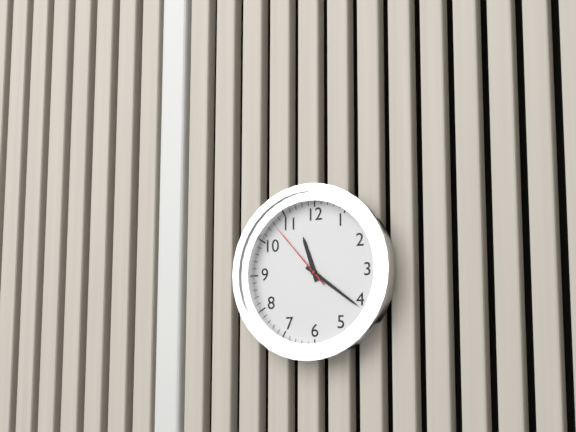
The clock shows **11:21:53**
